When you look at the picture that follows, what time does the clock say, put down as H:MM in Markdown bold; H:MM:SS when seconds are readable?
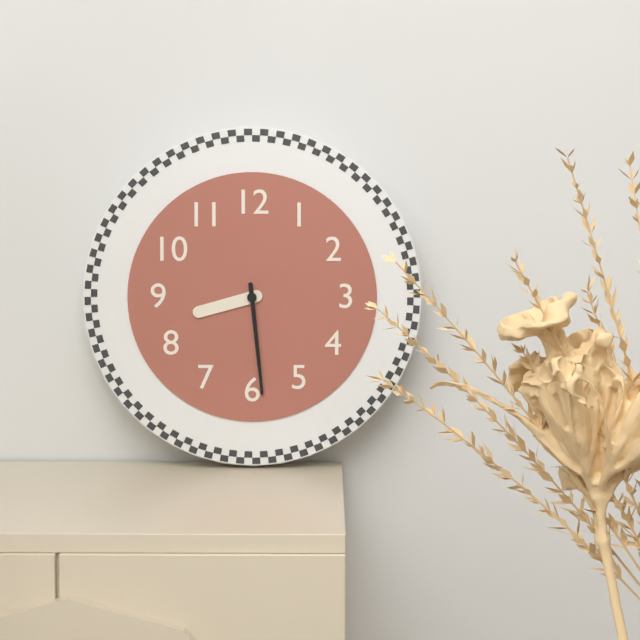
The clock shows **8:29**
